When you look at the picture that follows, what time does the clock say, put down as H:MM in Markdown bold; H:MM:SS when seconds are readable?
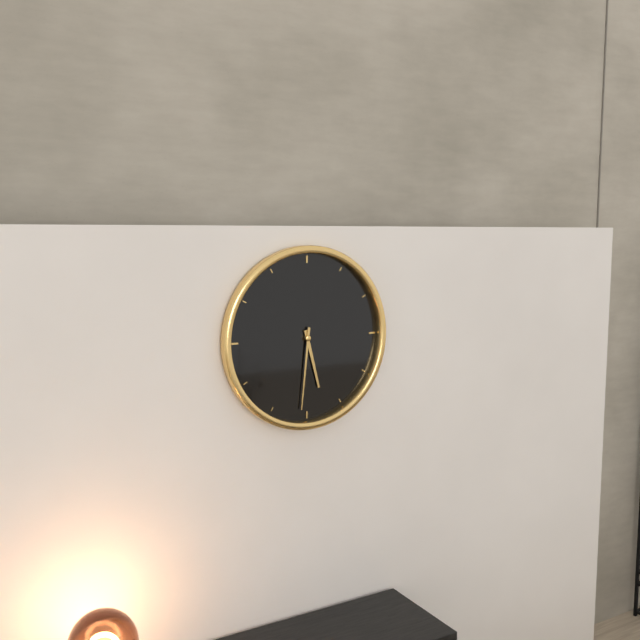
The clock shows **5:31**
